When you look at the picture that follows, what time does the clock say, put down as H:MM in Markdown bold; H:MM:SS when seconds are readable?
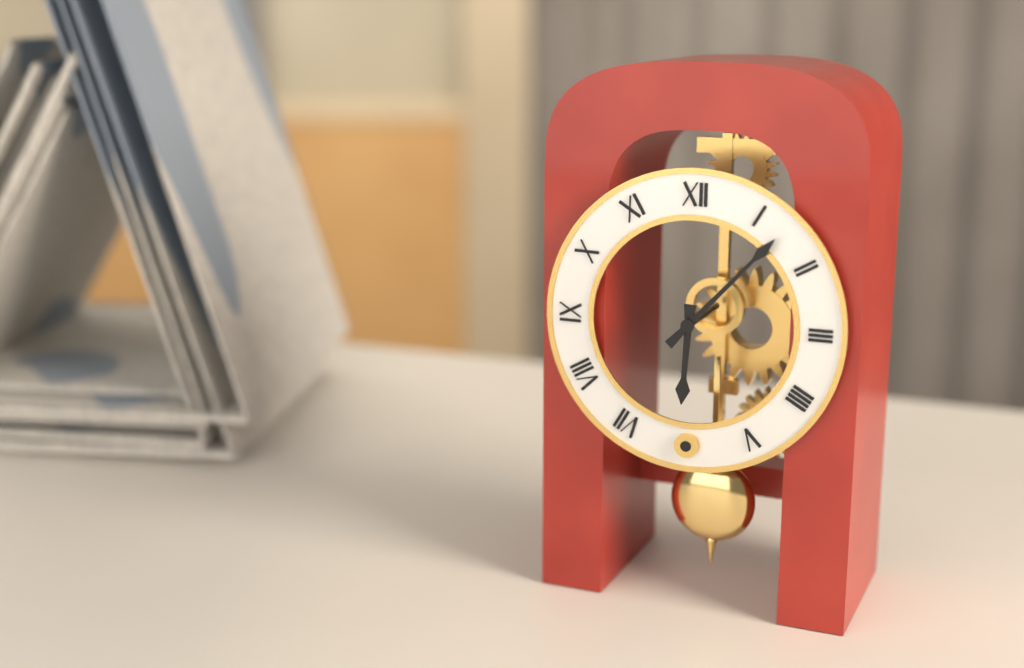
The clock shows **6:07**
